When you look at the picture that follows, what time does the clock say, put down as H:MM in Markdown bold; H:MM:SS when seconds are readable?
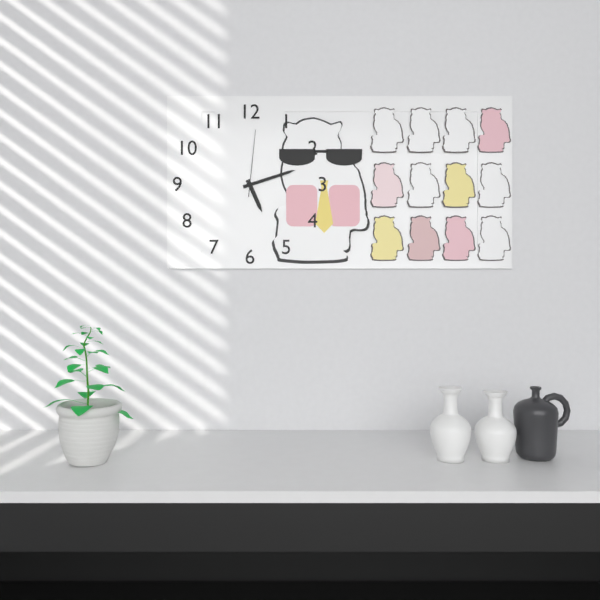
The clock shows **5:12:01**
